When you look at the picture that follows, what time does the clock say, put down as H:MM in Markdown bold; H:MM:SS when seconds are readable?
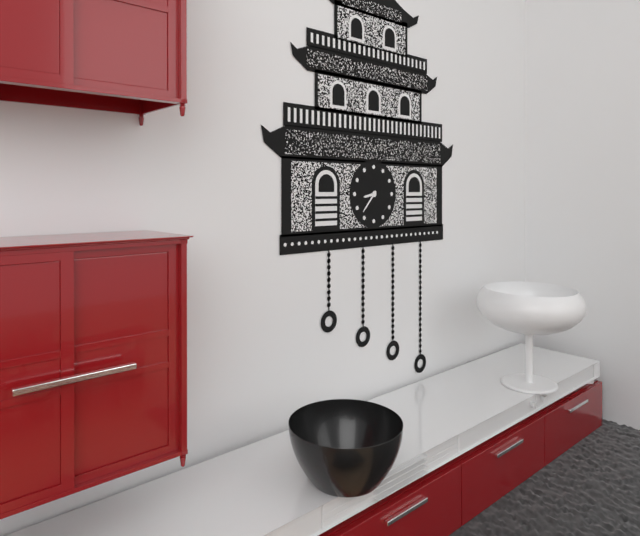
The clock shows **8:37**
